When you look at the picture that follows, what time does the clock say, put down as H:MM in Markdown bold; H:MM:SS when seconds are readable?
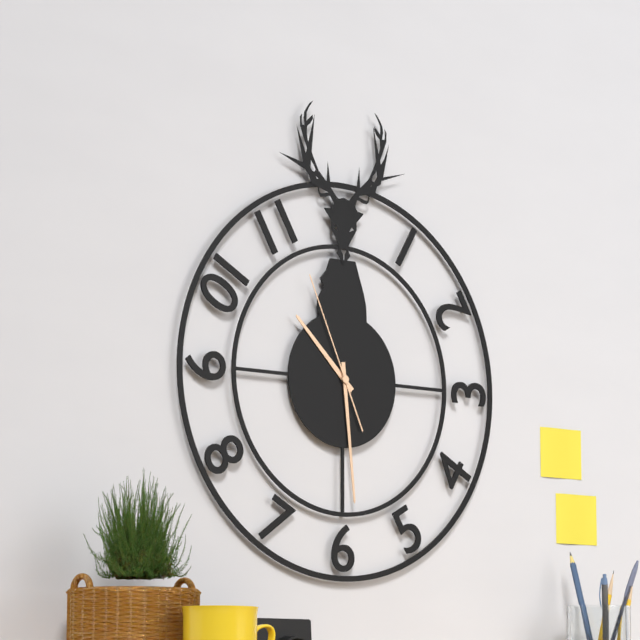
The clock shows **10:29:56**
